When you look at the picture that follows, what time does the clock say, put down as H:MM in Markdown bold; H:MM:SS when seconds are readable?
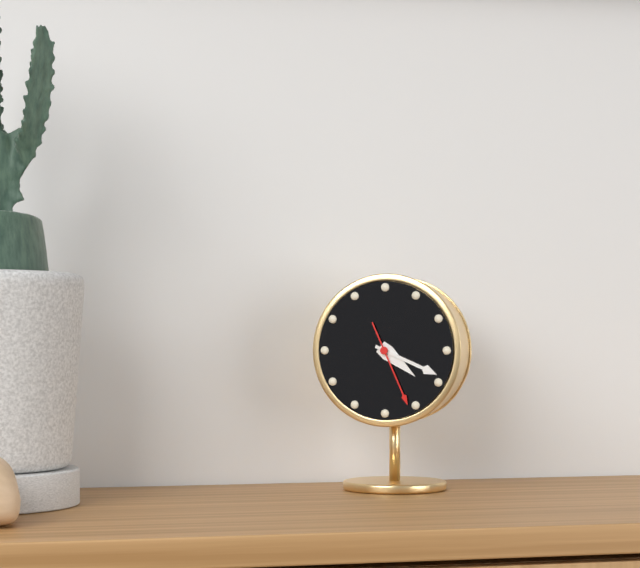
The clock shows **4:19:26**
